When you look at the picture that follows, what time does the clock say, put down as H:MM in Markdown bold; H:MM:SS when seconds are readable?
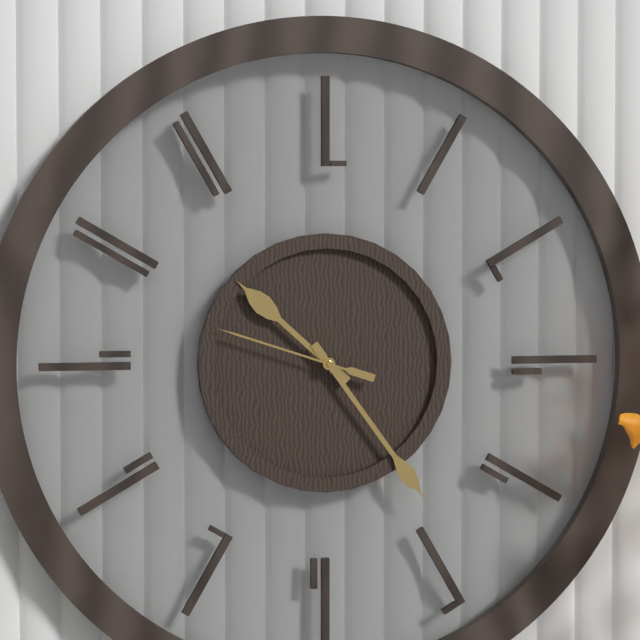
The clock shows **10:24:48**
